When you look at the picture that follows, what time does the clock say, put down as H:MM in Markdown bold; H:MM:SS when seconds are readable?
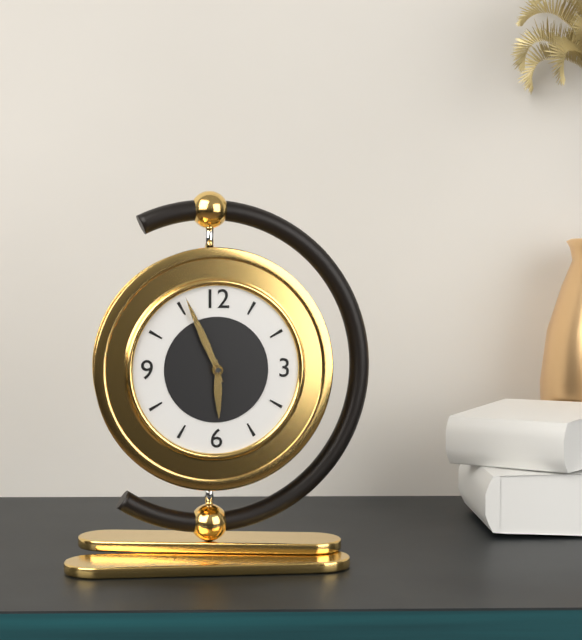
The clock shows **5:56**
